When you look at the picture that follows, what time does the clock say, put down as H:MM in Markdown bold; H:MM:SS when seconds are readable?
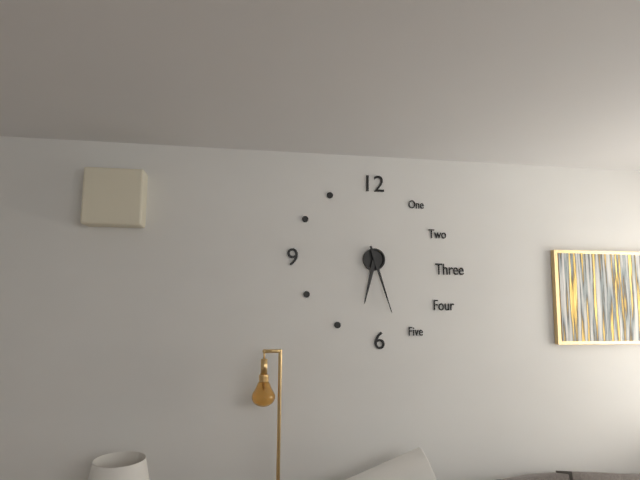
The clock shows **6:27**
